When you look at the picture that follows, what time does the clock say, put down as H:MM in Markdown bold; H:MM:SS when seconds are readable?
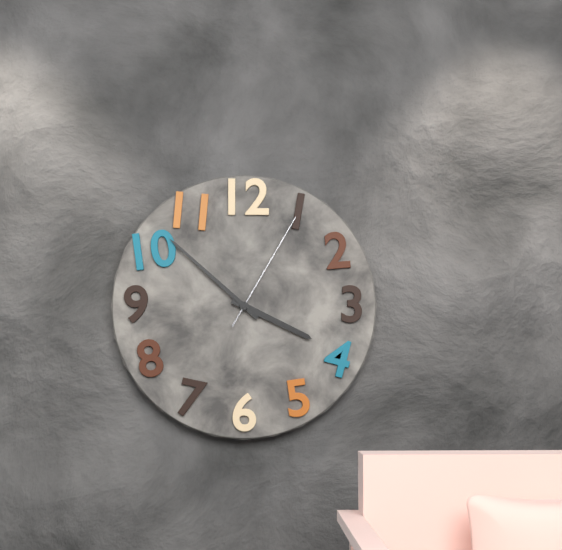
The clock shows **3:52:05**
